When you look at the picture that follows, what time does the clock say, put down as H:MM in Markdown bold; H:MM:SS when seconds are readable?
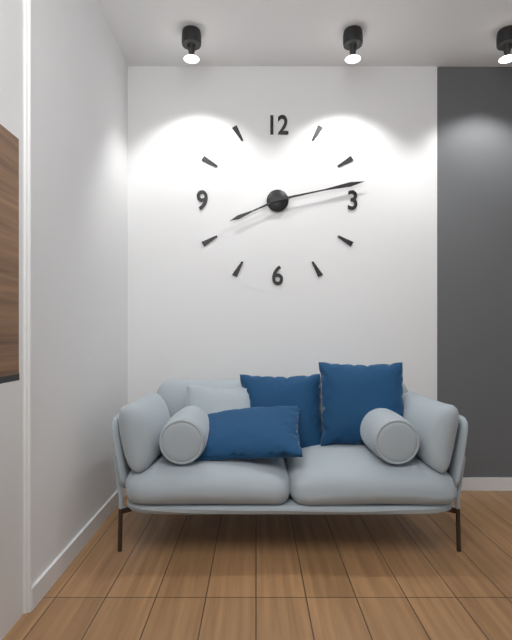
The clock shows **8:13**
